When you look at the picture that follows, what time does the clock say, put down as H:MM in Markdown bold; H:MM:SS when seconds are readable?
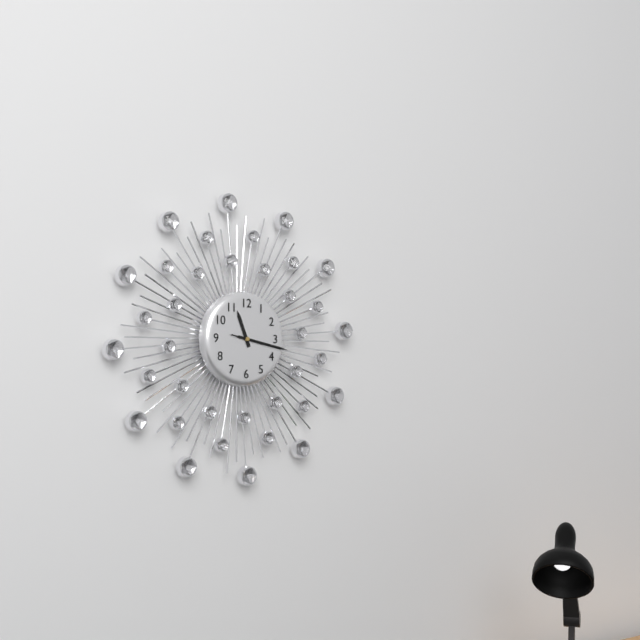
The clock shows **11:17:17**
